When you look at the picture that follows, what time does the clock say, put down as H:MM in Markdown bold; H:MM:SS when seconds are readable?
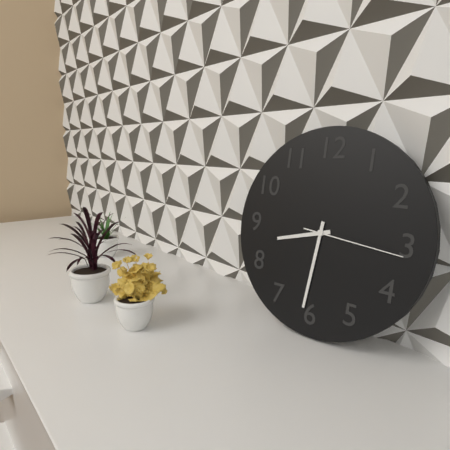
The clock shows **8:31:16**
